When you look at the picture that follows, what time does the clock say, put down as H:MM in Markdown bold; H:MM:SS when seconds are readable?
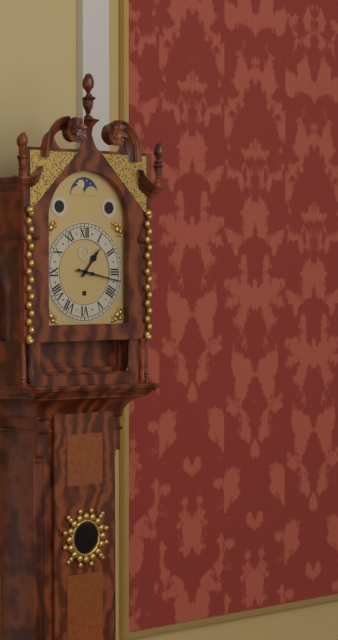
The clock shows **1:17**
